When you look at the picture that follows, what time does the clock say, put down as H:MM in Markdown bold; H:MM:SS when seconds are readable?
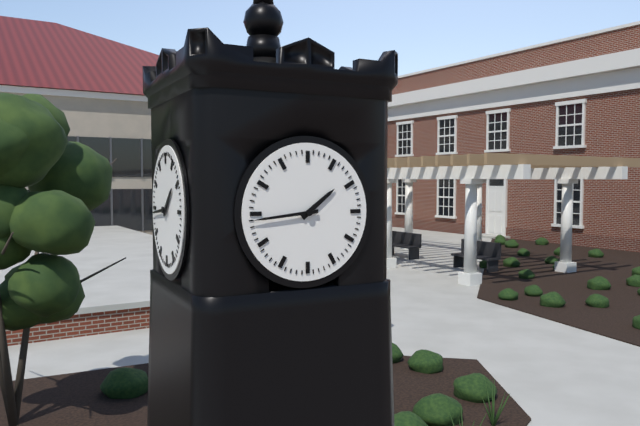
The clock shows **1:44**
